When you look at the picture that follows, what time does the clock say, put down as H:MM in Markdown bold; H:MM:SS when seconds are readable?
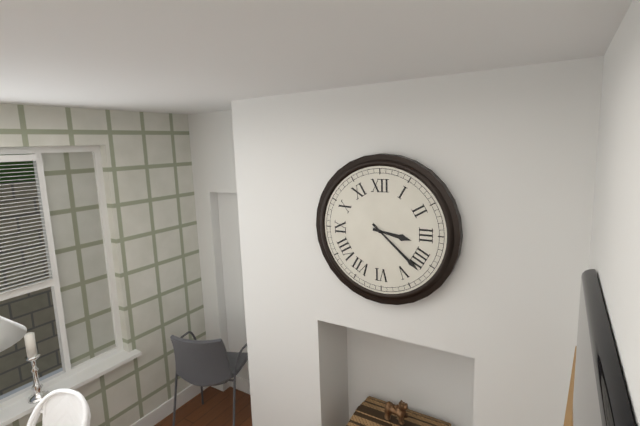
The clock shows **3:22**
